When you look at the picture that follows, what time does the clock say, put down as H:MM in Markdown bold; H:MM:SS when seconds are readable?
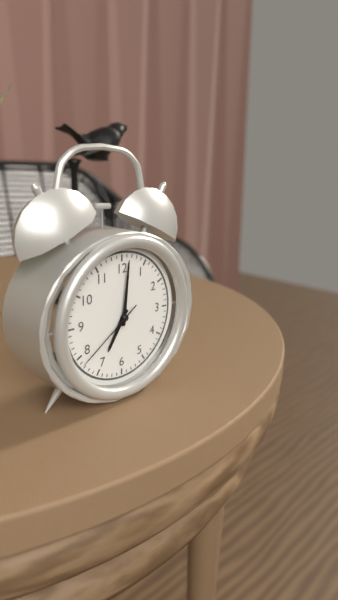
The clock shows **7:01:39**
